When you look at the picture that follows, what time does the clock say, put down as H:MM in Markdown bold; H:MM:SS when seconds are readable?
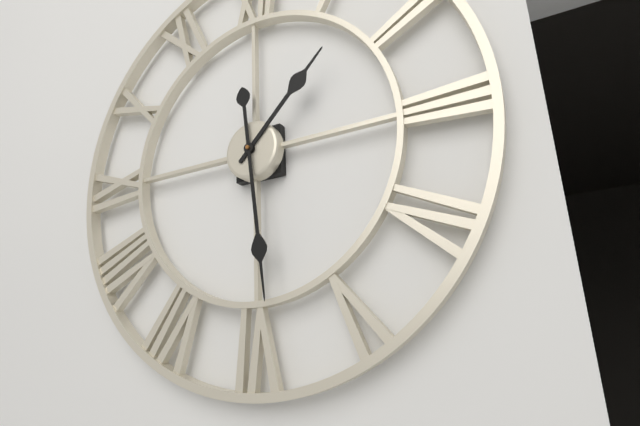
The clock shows **1:29**
